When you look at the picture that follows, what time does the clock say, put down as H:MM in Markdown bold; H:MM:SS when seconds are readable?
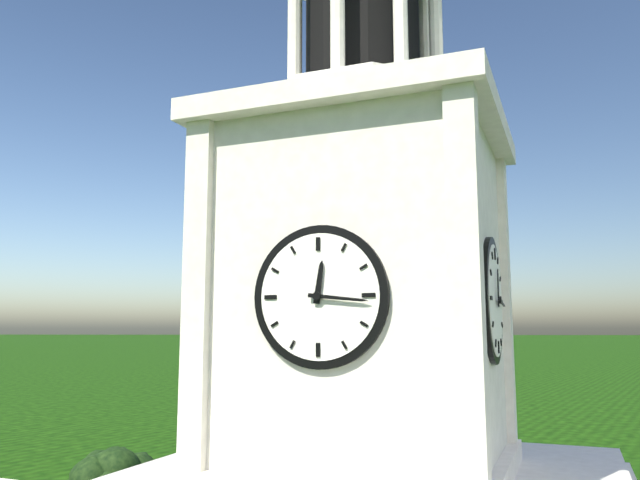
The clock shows **12:16**
